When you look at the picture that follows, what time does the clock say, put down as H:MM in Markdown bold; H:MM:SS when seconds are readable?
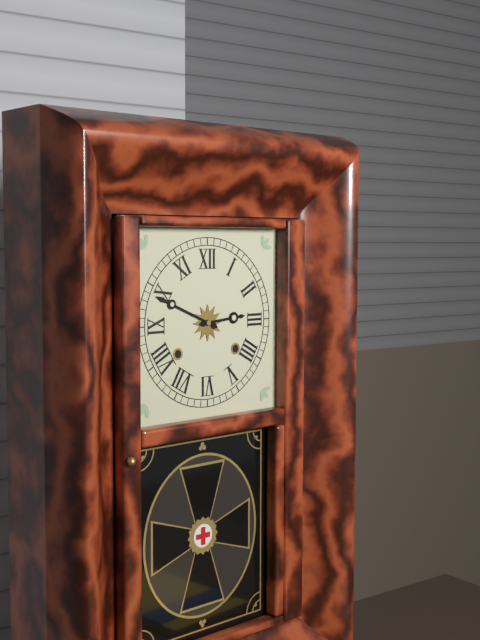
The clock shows **2:49**
